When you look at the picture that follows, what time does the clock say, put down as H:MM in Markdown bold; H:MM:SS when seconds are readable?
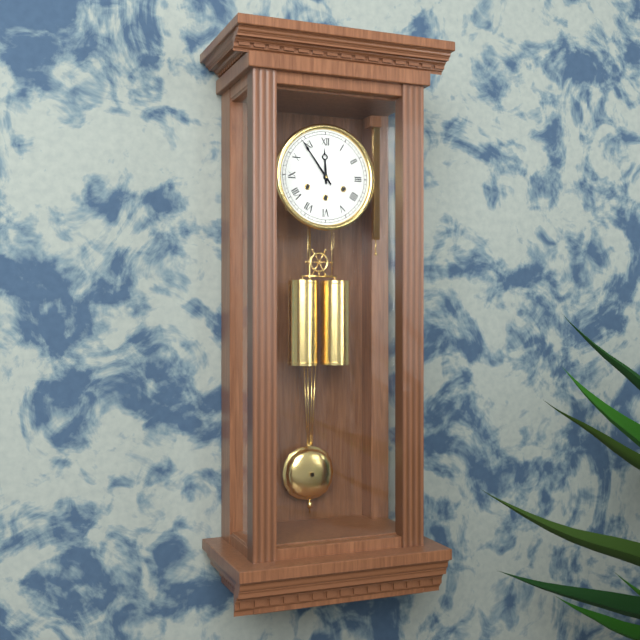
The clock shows **11:54**
